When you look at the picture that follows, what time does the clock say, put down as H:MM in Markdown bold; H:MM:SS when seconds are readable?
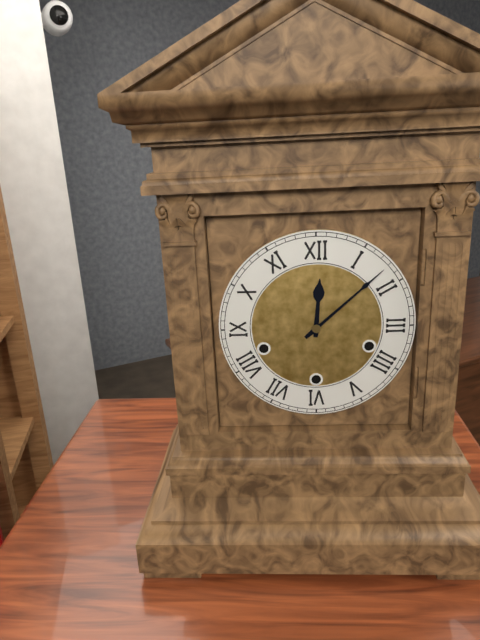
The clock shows **12:08**
